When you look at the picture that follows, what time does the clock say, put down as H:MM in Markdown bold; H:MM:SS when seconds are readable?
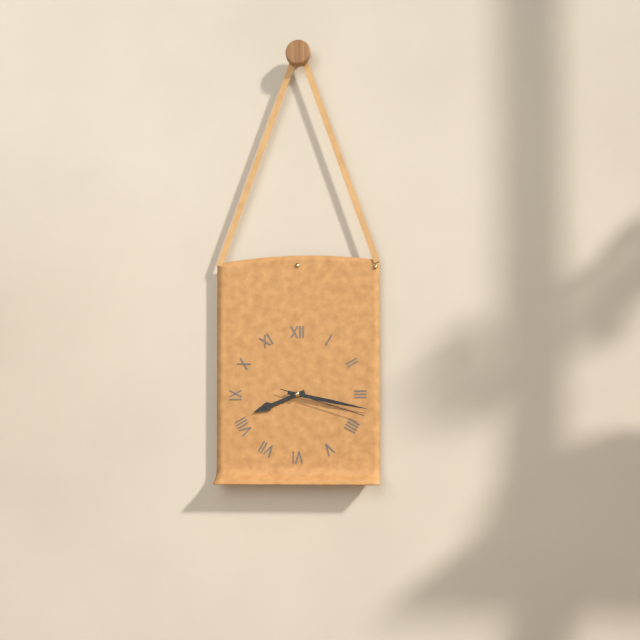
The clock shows **8:17:18**
